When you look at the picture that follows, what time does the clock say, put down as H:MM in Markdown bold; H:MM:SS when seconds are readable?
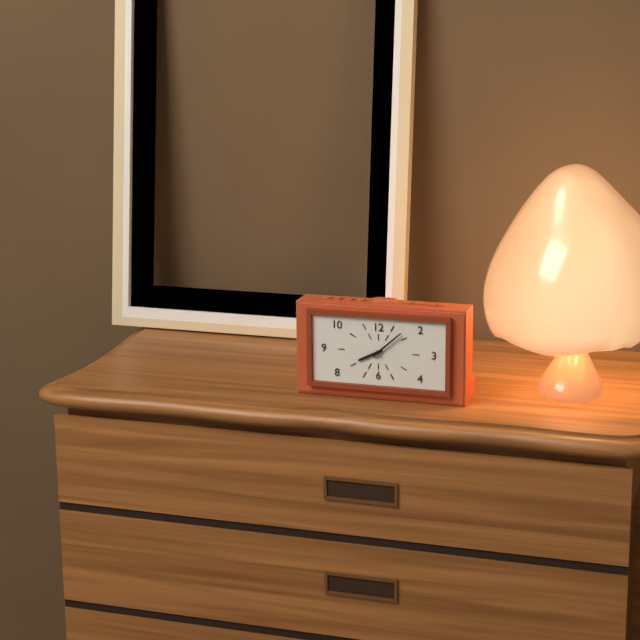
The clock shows **8:08**
